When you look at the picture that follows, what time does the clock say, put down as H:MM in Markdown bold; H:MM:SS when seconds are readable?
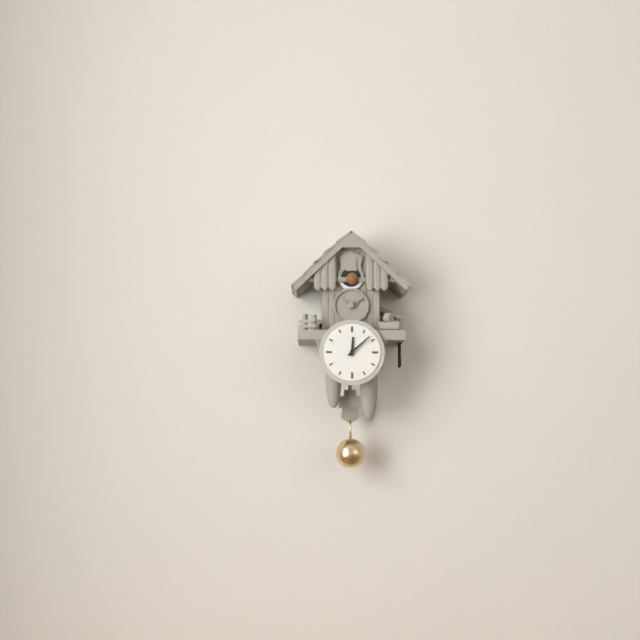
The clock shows **12:08**
